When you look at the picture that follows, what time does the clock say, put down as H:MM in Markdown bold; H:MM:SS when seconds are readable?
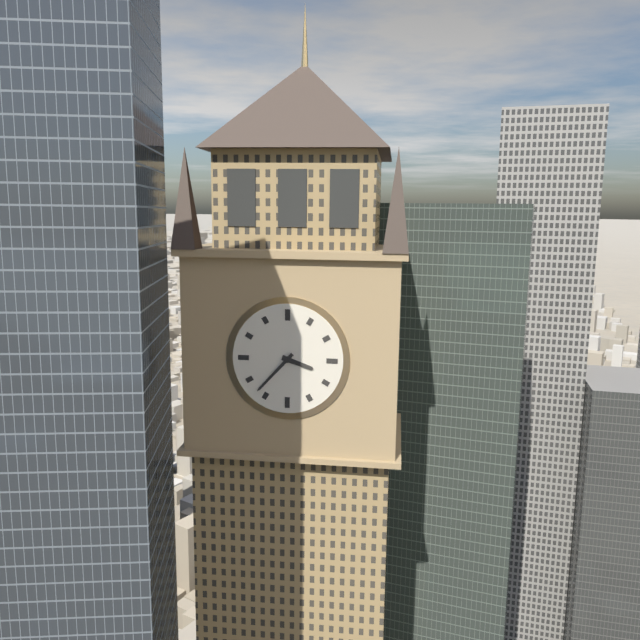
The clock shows **3:37**
